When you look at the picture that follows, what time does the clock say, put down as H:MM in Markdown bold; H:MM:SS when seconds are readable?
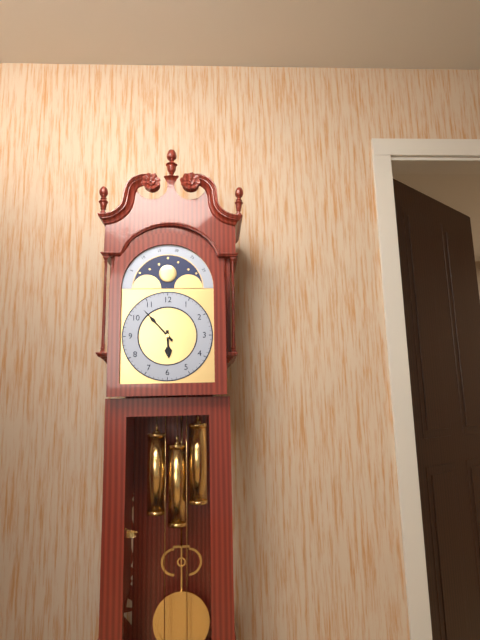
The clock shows **5:53**
